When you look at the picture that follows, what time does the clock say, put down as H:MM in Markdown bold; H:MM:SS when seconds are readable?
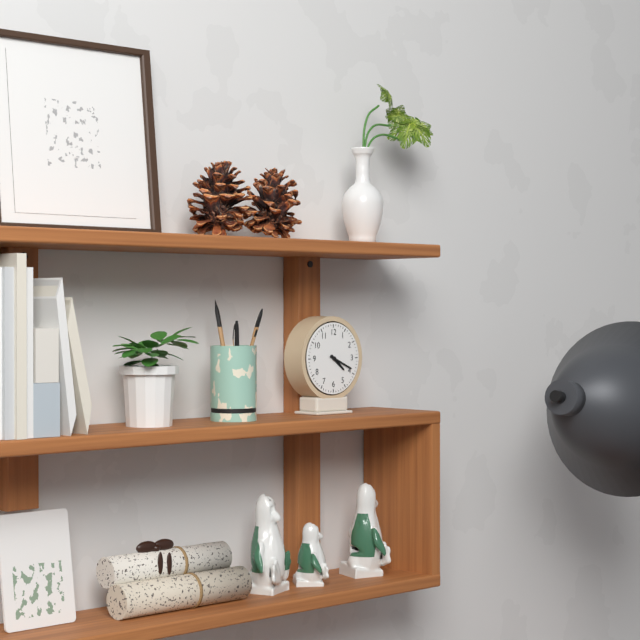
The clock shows **4:19**
